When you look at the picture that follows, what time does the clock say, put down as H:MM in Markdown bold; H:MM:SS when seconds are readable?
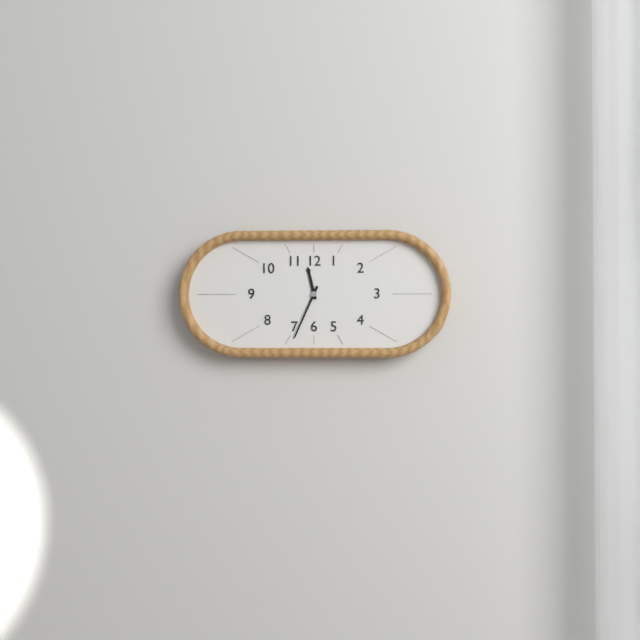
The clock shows **11:34**
